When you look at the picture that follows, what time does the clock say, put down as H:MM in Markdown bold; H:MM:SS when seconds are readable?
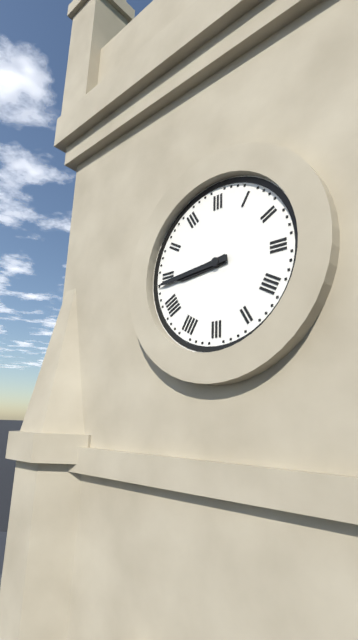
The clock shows **8:44**
